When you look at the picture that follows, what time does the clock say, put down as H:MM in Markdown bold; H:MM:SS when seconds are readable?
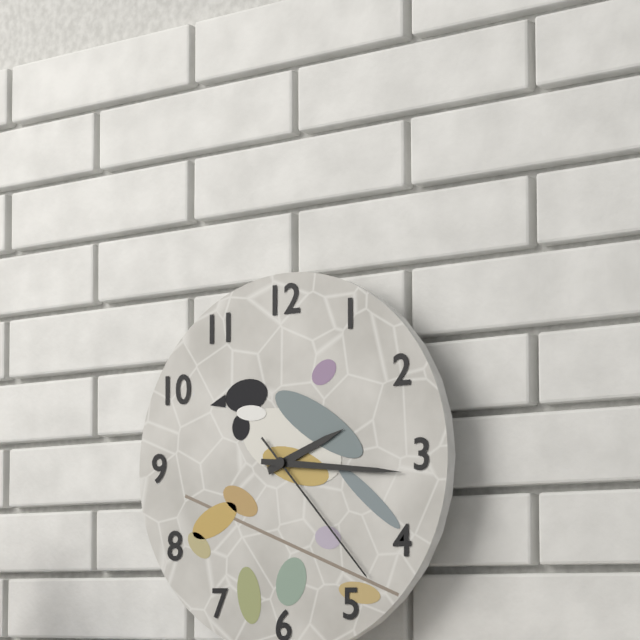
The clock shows **2:16:23**
